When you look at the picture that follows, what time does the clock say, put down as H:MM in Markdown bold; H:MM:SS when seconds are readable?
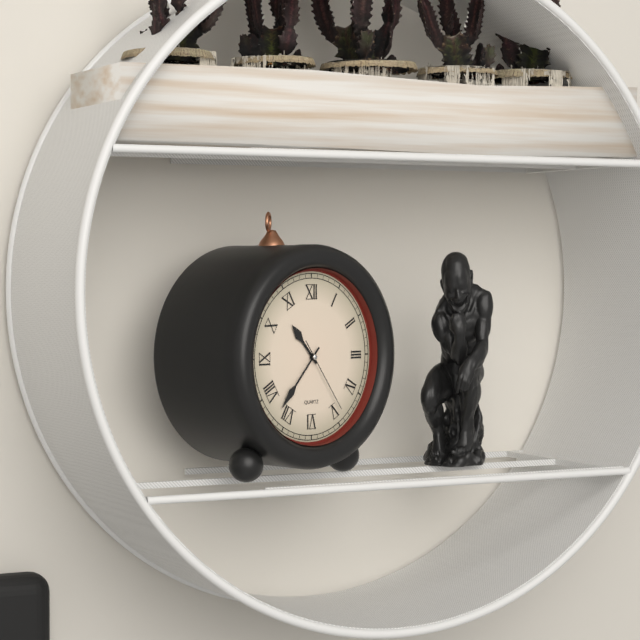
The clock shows **10:37:24**
